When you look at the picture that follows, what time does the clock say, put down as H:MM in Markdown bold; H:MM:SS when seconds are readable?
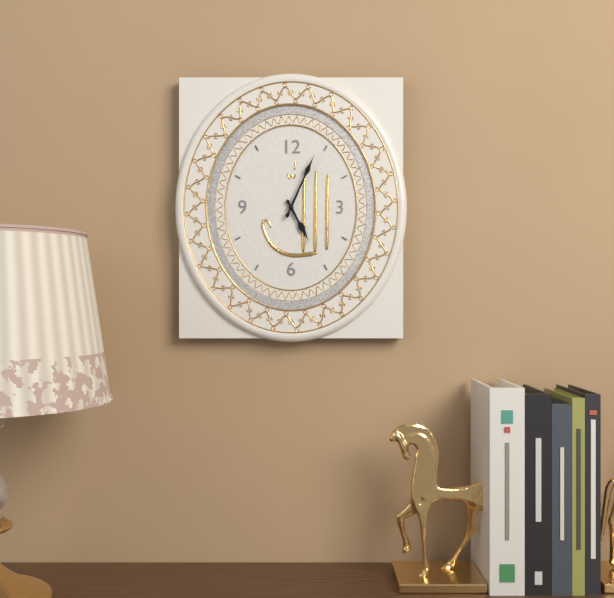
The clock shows **5:04**
